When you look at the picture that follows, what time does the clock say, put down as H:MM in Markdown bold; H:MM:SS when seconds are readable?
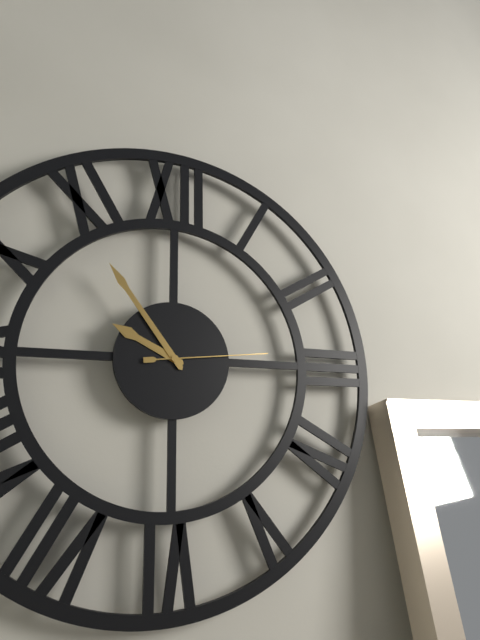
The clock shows **9:54:14**
